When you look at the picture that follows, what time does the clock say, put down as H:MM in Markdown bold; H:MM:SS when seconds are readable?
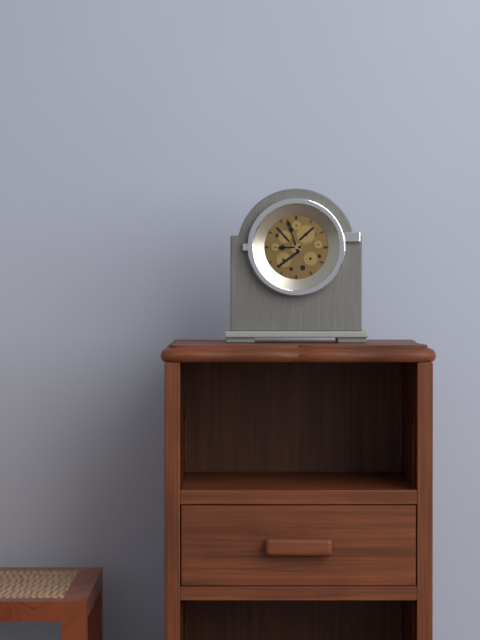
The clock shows **8:57**
